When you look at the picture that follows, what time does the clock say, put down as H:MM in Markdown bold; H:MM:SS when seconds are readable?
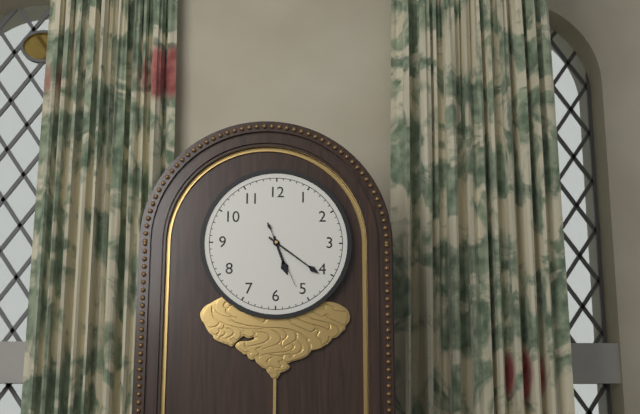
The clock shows **5:21:26**
